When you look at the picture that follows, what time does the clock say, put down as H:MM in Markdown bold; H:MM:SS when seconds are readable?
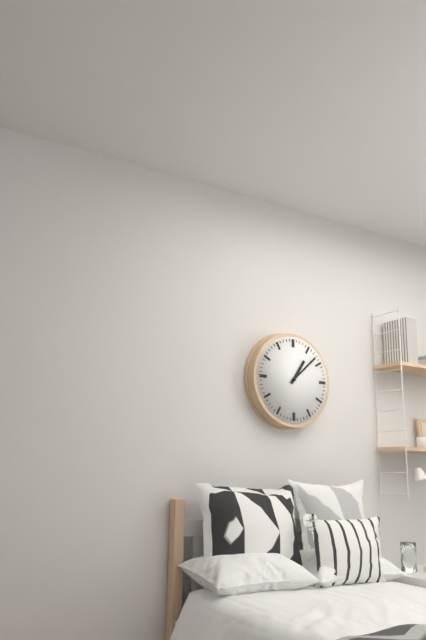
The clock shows **1:08**
